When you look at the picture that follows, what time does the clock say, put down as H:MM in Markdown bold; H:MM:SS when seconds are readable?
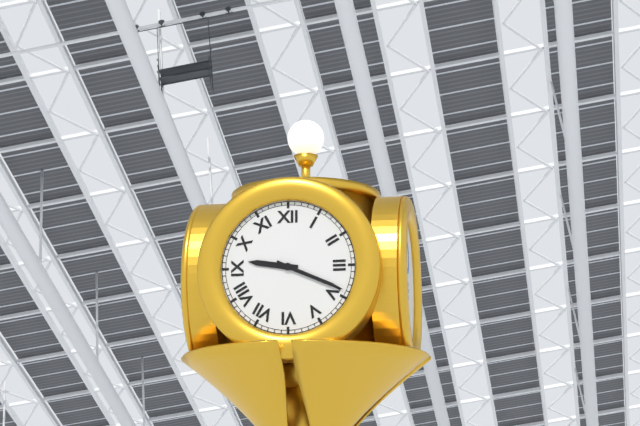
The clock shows **9:19**
